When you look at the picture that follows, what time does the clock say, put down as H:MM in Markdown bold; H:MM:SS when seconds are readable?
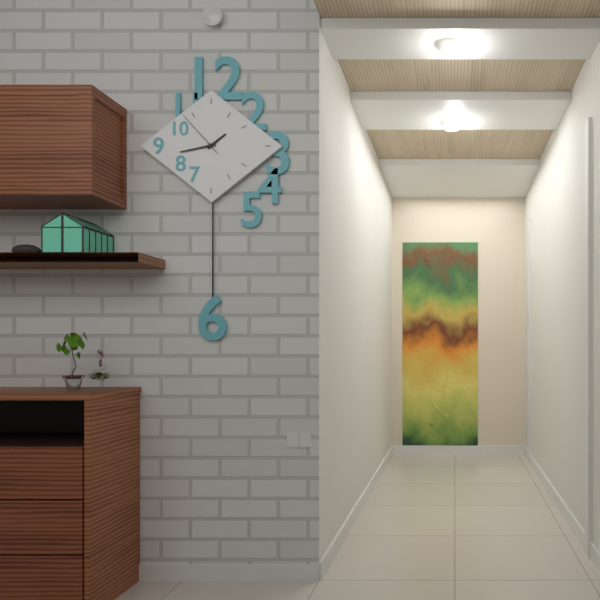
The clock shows **1:43:53**
